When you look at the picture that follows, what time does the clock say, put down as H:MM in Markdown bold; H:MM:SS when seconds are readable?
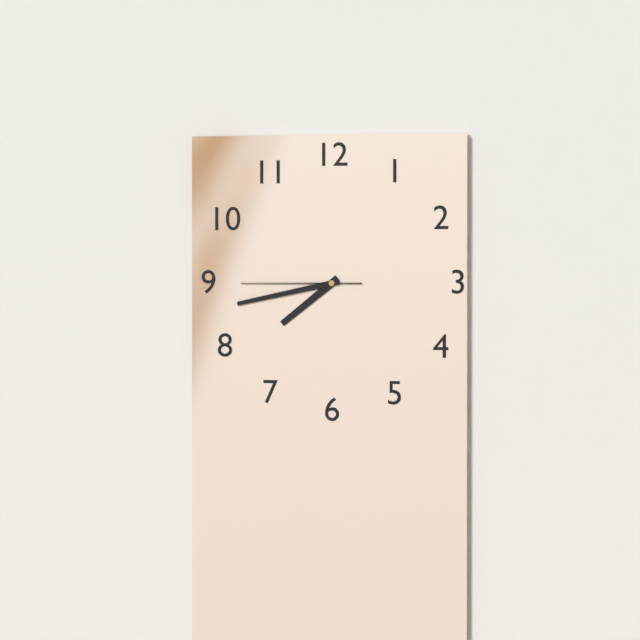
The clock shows **7:43:45**
